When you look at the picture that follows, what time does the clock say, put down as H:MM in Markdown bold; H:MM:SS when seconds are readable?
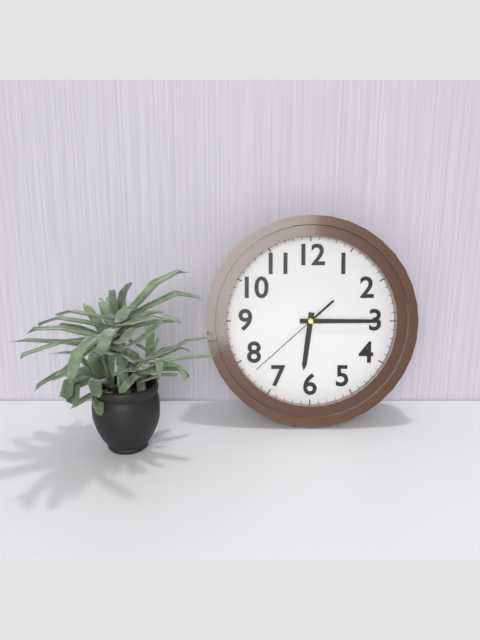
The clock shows **6:15:38**
